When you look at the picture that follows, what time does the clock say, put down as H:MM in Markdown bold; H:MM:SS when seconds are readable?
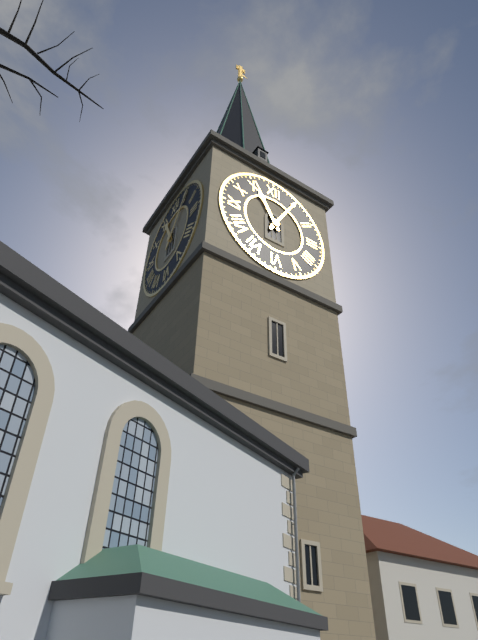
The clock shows **11:05**
